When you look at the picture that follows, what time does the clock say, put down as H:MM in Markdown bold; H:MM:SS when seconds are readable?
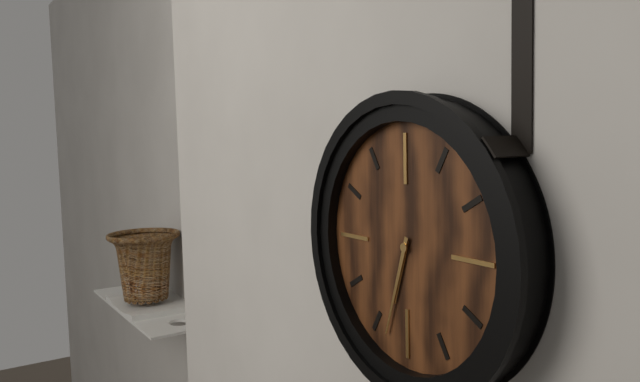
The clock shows **6:33**
